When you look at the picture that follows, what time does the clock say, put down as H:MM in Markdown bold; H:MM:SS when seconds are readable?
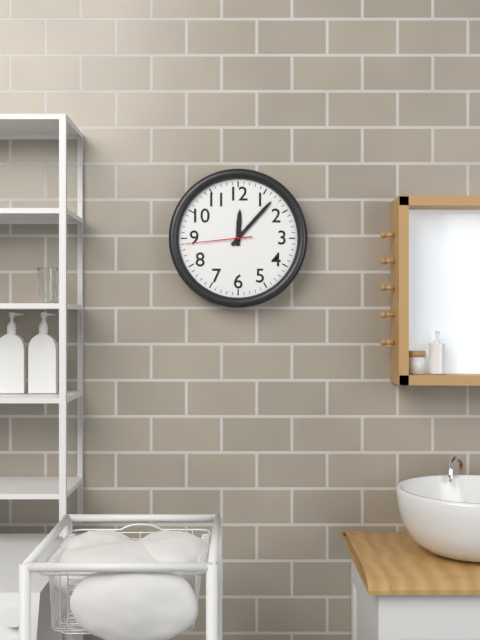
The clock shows **12:07:44**
